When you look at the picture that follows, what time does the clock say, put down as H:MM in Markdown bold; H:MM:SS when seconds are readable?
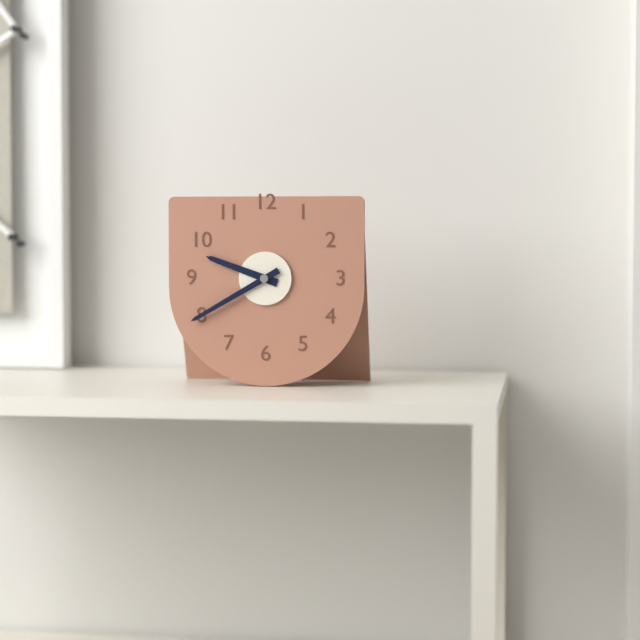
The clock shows **9:40**
